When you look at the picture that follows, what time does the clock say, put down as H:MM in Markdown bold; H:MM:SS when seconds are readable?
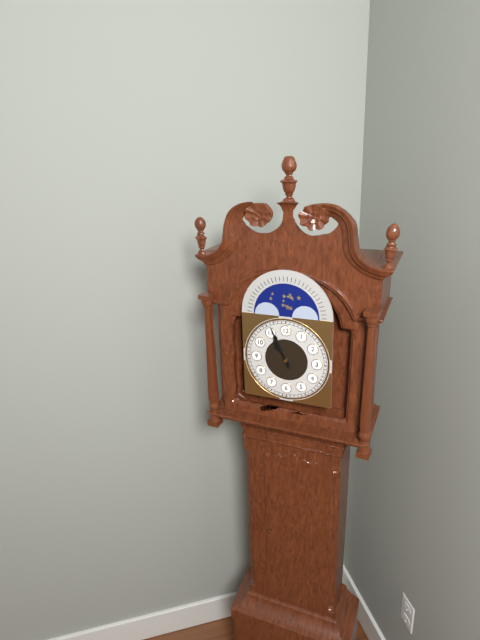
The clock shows **10:56**
